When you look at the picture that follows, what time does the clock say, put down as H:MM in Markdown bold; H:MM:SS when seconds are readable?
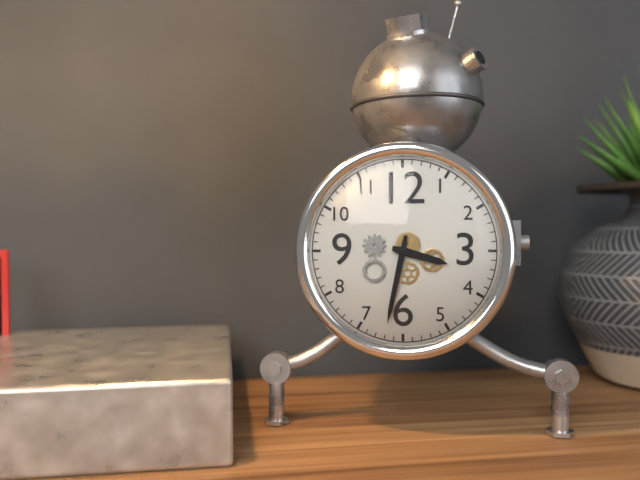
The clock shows **3:32**
